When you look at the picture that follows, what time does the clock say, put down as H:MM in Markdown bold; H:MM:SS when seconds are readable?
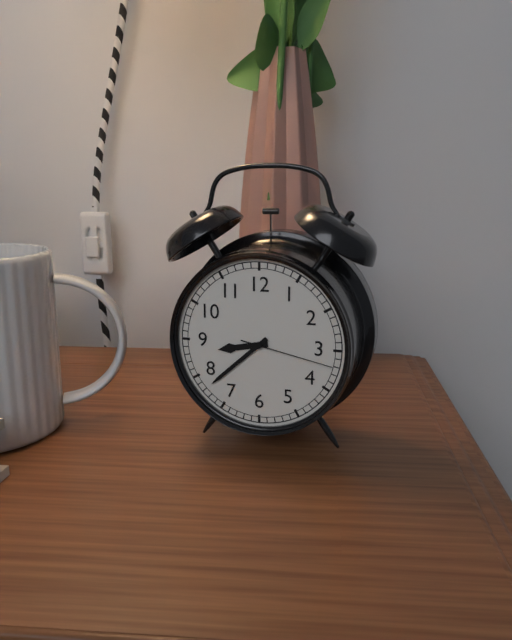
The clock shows **8:38:17**
